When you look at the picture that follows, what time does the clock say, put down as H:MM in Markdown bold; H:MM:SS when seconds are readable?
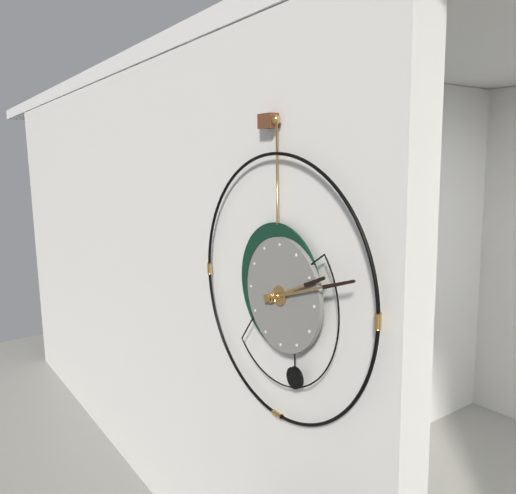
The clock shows **2:12**
